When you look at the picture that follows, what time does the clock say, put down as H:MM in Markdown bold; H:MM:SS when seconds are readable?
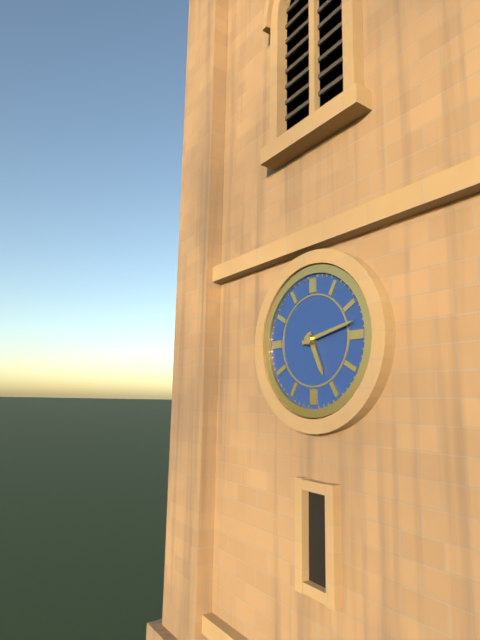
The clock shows **5:13**
